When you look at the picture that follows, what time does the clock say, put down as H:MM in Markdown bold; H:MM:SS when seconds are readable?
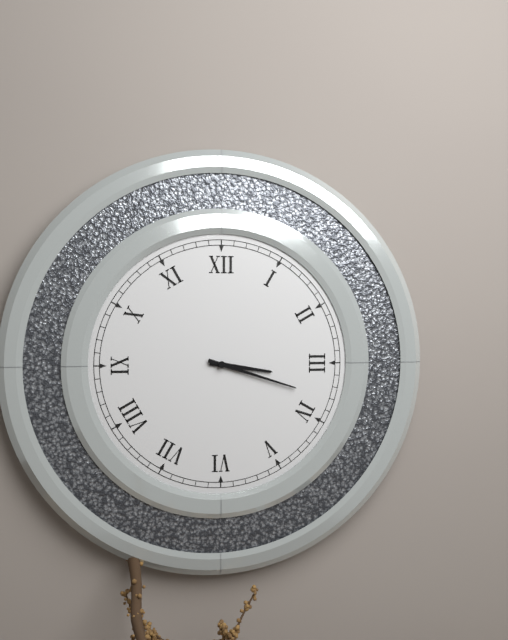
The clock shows **3:18**
